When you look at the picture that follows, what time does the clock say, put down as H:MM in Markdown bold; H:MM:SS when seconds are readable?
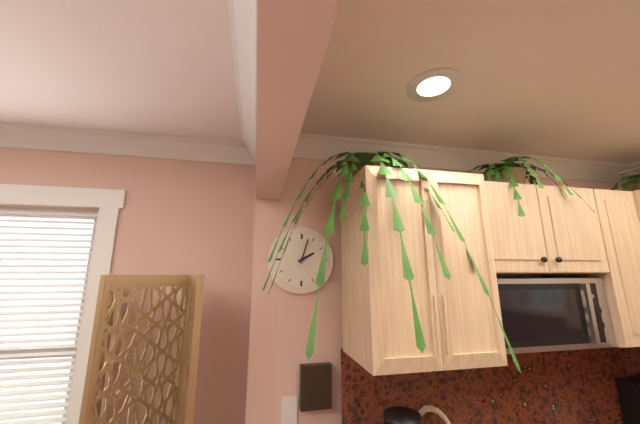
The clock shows **2:03**
